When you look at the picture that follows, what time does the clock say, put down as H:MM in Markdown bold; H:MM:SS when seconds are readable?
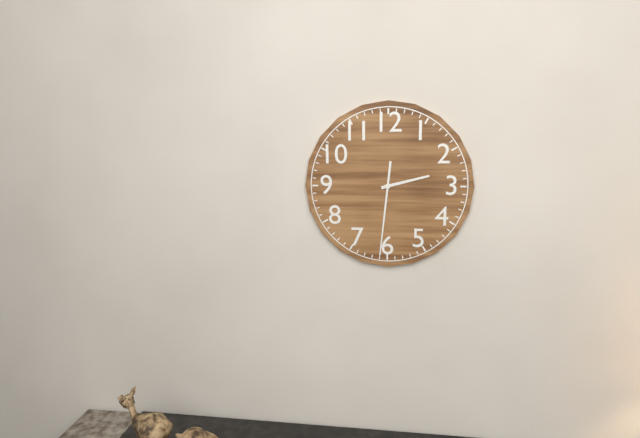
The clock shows **2:31**
